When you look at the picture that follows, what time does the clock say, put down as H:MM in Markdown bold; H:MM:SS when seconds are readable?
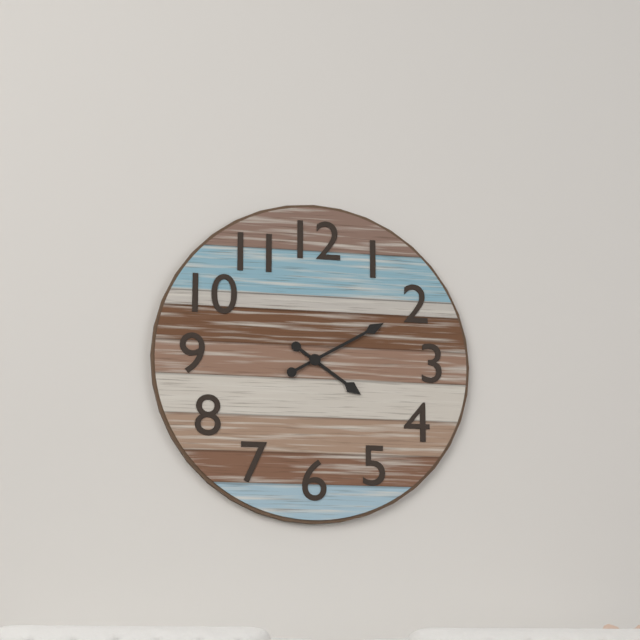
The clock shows **4:10**
